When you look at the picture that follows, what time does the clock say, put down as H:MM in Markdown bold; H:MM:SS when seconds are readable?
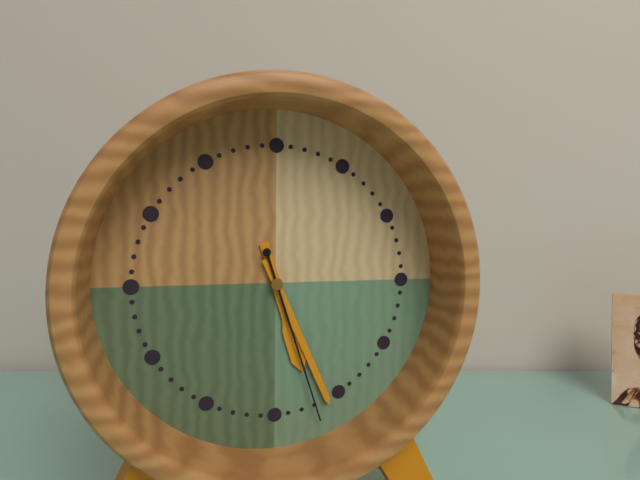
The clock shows **5:26:27**
